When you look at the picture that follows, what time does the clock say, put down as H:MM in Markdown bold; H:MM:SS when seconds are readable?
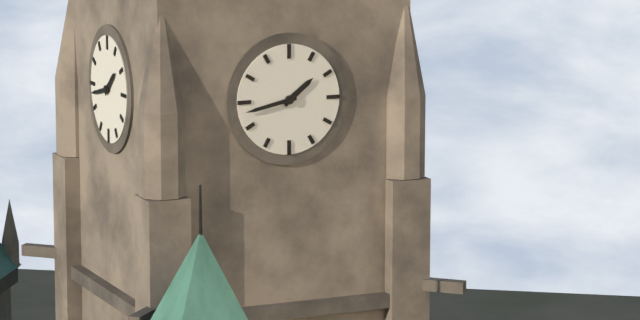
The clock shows **1:43**
